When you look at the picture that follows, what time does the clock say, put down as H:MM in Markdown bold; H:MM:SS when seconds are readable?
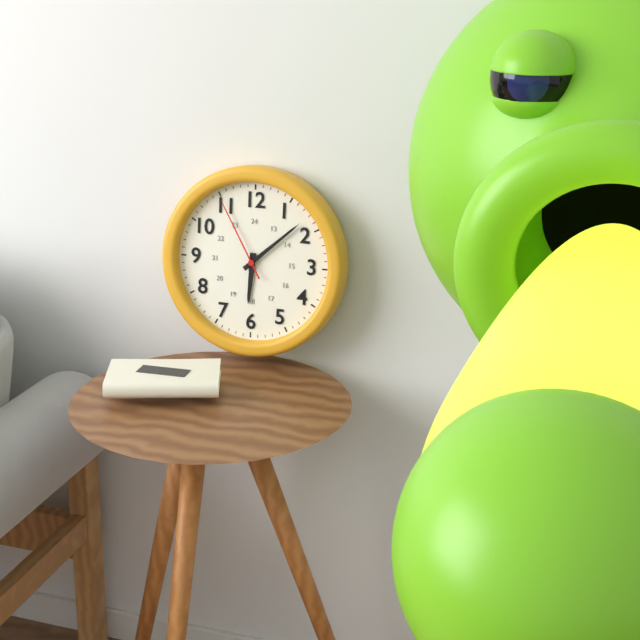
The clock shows **6:08:55**
